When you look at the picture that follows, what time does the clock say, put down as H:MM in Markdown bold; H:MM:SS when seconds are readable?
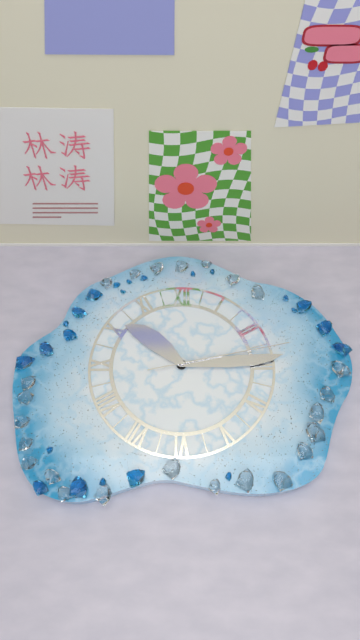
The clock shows **10:14:13**
